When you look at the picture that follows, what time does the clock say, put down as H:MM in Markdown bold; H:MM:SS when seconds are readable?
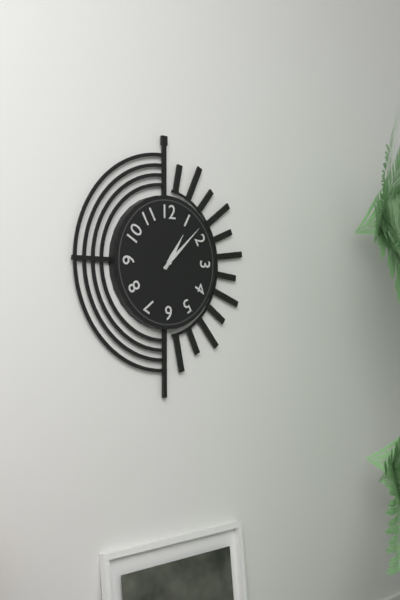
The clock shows **1:08**
